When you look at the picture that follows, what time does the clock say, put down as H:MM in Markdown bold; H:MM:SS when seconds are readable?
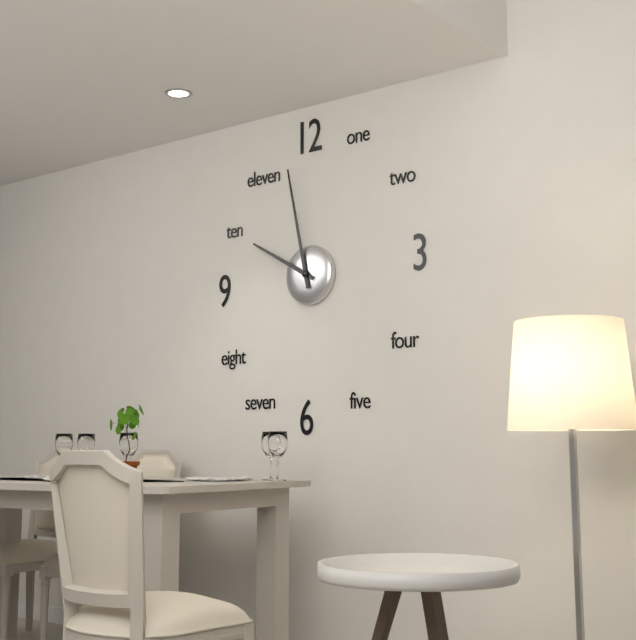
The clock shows **9:58**
